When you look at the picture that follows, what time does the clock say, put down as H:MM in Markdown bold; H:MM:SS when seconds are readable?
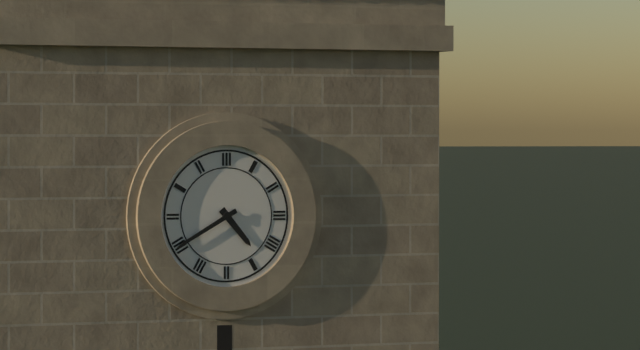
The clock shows **4:40**
